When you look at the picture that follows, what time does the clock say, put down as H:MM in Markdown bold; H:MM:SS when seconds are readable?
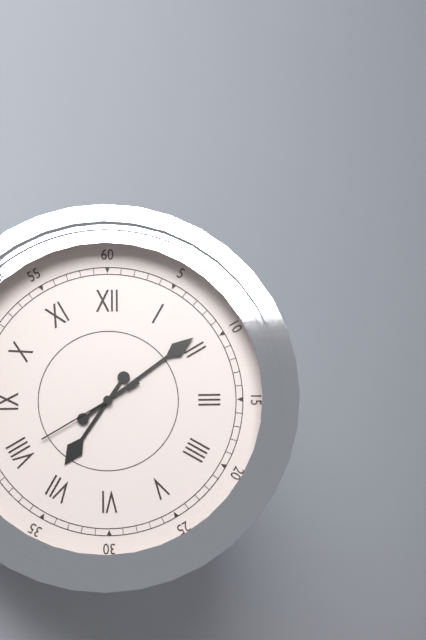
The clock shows **7:09:40**
